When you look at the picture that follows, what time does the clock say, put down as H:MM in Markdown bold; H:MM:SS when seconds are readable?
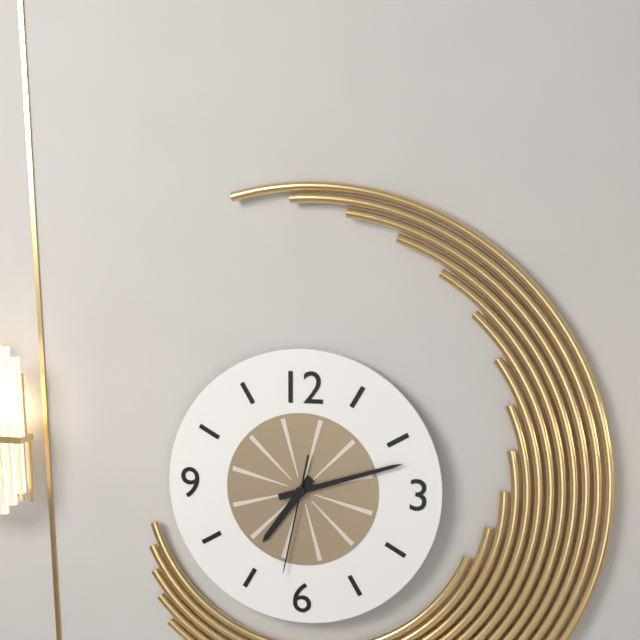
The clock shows **7:12:32**
